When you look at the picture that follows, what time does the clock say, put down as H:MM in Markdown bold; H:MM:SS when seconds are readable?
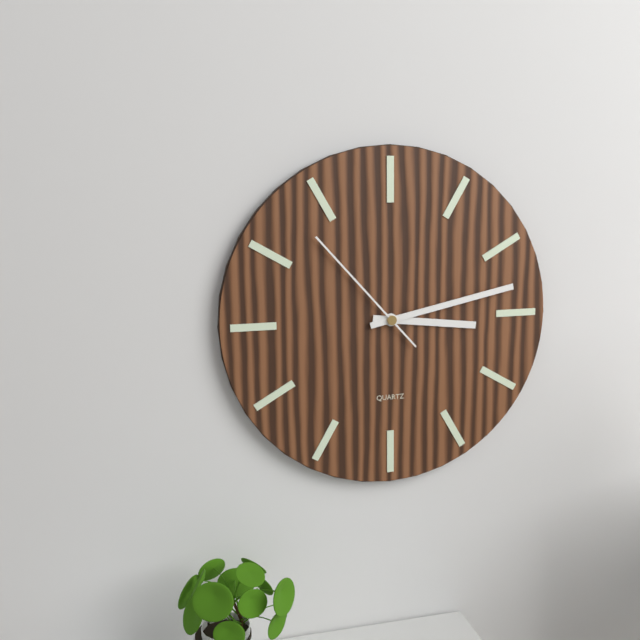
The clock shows **3:13:53**
